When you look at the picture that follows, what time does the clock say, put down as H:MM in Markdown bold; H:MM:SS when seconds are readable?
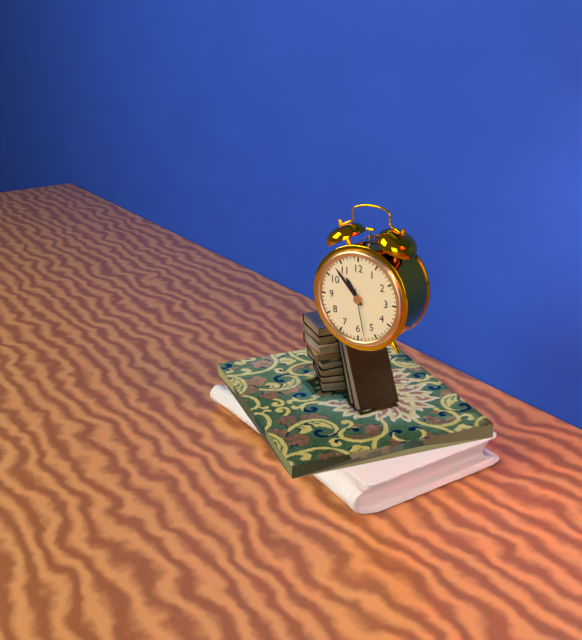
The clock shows **10:53**
